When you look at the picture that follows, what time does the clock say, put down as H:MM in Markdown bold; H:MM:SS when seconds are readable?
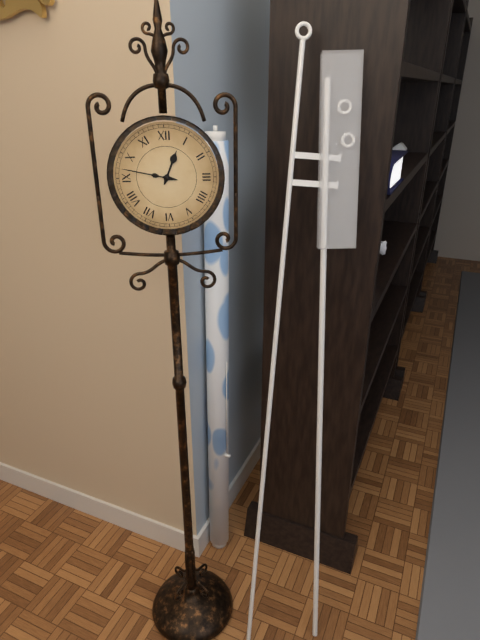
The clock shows **12:47**
